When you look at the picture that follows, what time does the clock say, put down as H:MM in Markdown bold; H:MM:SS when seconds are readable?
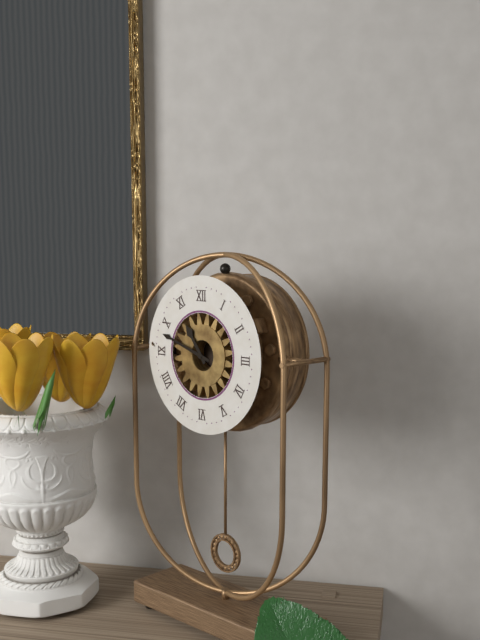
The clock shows **10:48**
